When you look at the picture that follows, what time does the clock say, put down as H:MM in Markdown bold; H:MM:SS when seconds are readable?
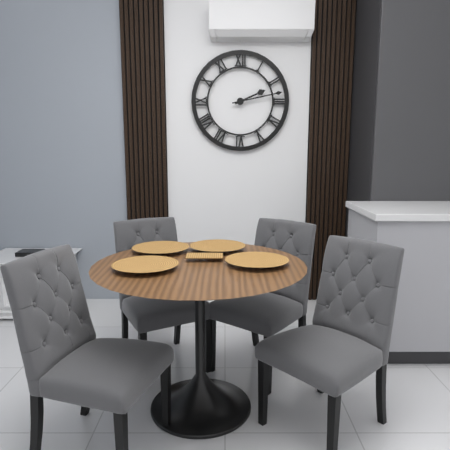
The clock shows **2:13**
